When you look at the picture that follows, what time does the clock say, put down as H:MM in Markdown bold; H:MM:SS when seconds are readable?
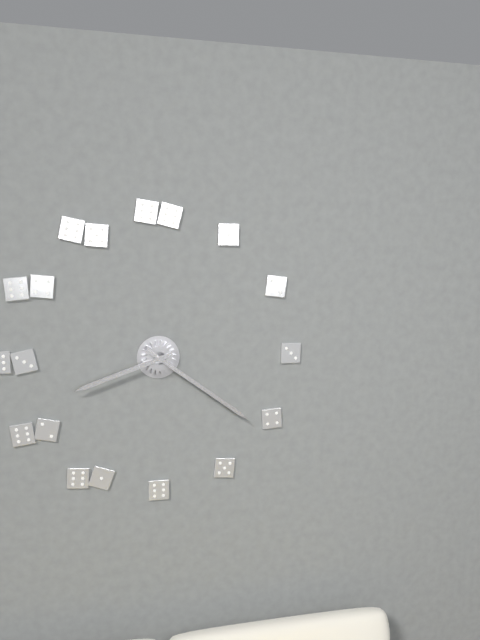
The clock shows **8:21**
